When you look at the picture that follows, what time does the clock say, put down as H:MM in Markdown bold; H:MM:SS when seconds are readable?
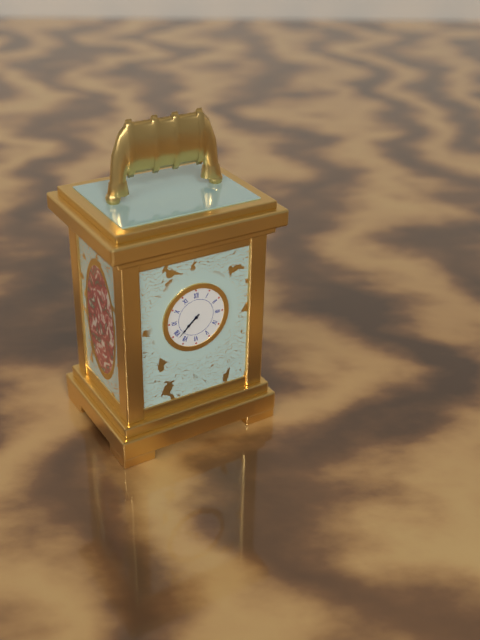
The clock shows **7:38**
